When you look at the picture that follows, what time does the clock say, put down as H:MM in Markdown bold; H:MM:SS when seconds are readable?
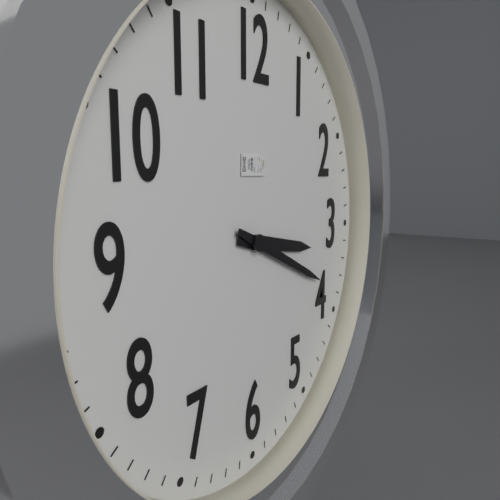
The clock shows **3:19**
